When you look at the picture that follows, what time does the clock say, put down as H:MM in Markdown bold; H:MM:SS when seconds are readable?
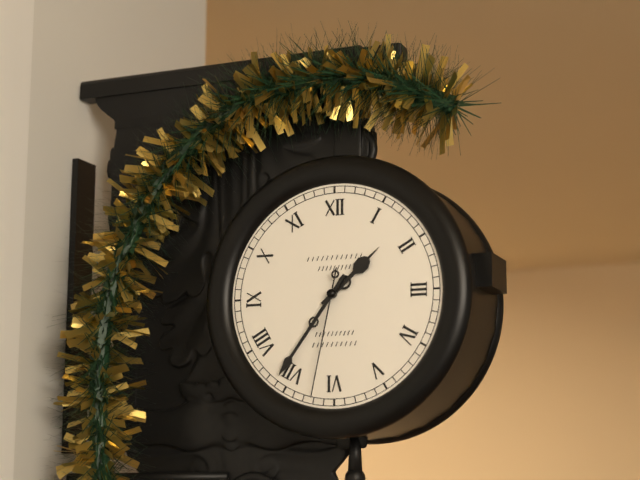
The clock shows **1:36:32**
